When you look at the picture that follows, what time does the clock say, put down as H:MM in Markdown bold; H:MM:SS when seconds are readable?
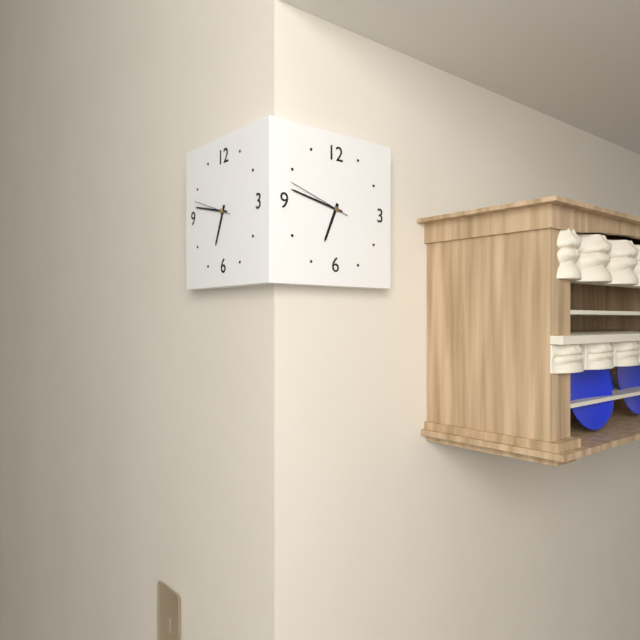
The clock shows **6:47:48**
